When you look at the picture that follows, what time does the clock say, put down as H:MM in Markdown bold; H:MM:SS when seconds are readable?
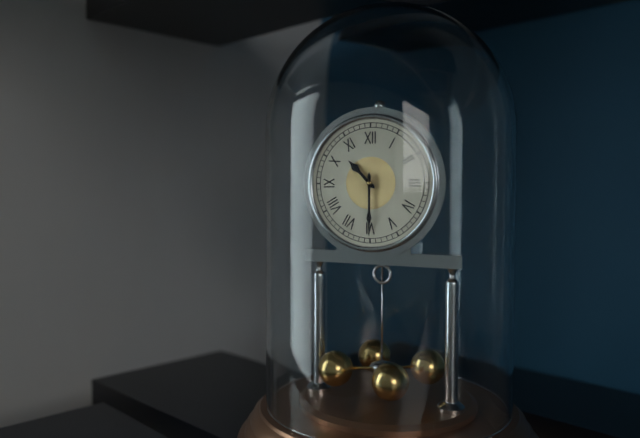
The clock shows **10:30**
